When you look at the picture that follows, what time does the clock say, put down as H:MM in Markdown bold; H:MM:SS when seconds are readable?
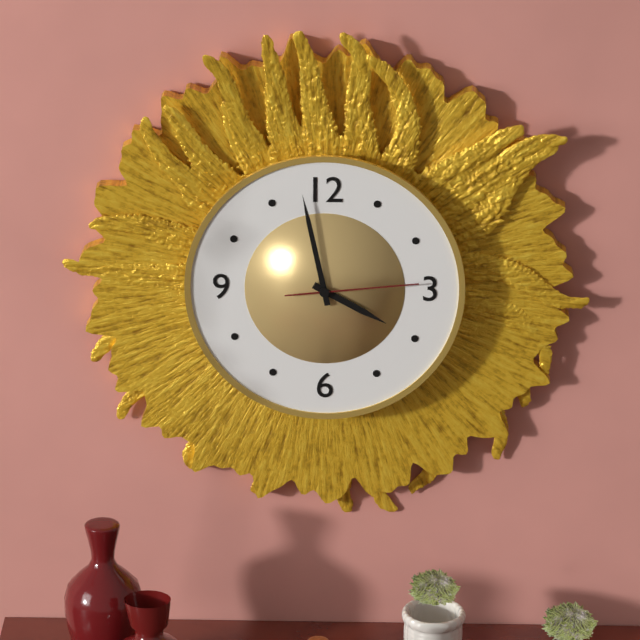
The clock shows **3:58:14**
